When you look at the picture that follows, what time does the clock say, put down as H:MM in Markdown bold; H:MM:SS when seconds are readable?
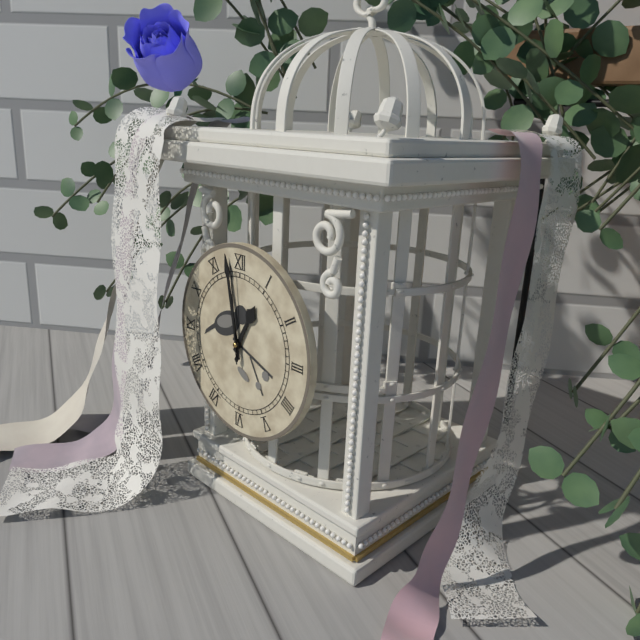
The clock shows **12:58:59**
